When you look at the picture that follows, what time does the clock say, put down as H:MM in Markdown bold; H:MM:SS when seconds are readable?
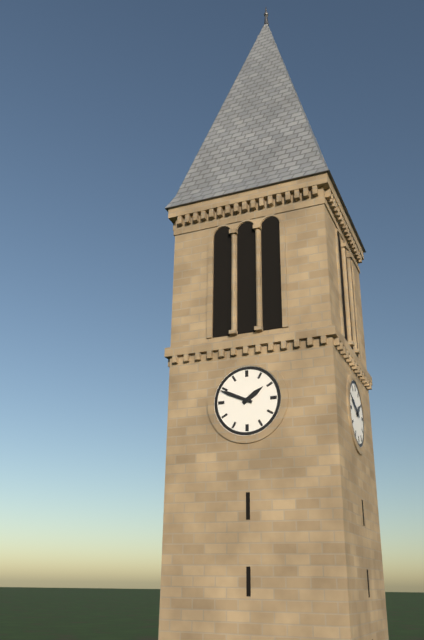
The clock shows **1:49**
